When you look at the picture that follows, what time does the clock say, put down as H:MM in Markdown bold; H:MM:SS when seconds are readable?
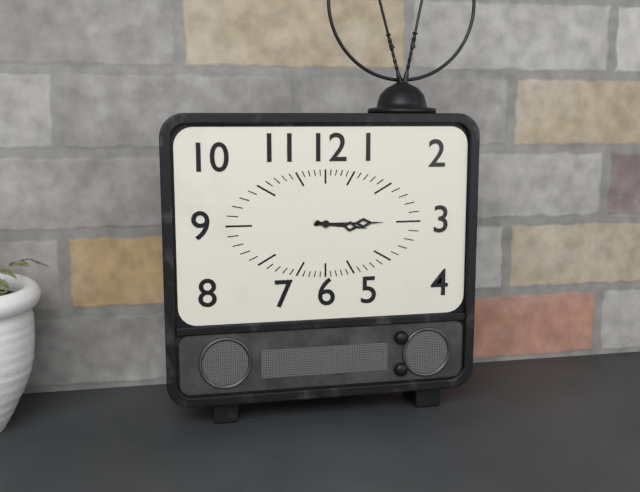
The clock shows **3:15**
